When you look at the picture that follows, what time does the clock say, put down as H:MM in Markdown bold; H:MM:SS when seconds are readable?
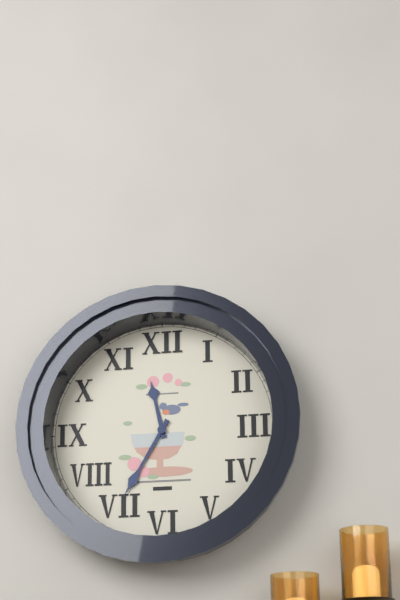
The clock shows **11:35**
